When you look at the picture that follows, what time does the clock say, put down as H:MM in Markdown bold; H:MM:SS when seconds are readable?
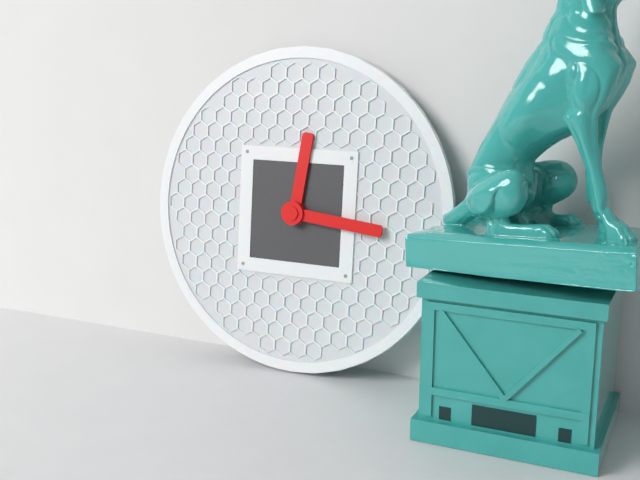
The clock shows **12:16**
